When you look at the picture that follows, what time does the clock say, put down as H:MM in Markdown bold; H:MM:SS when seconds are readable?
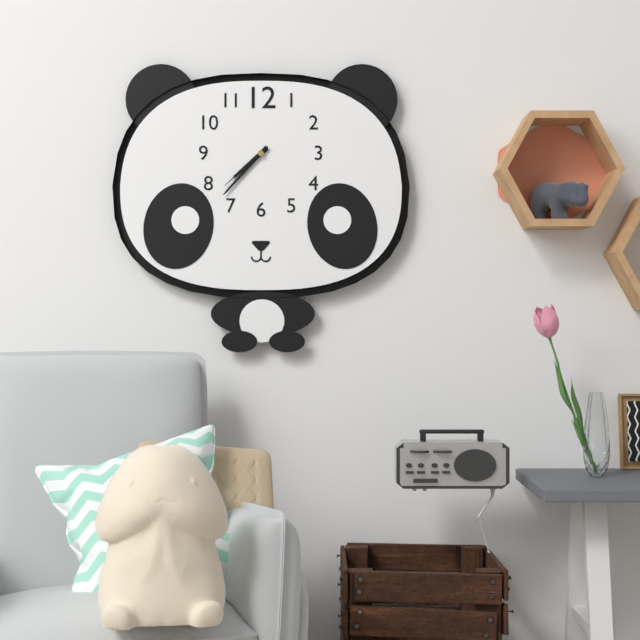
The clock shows **7:37:38**
